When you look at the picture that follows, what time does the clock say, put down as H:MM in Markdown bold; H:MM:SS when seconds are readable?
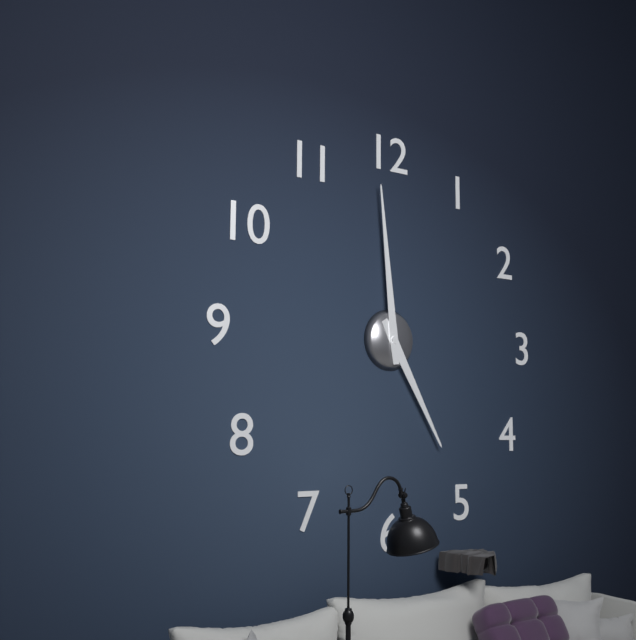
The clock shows **4:59**
